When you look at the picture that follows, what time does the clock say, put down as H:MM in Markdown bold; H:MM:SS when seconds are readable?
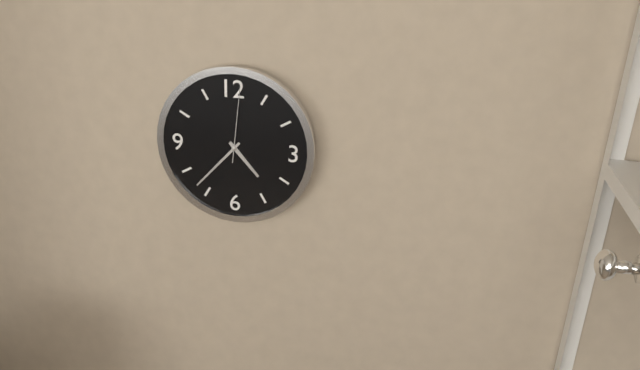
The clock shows **4:37:01**
